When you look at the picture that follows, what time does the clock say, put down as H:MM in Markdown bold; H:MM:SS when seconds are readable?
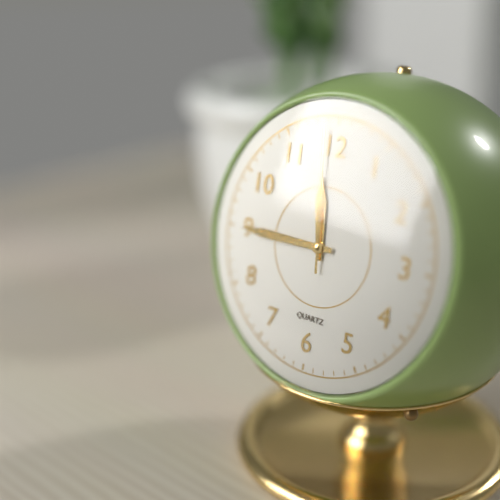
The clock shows **11:45:59**
